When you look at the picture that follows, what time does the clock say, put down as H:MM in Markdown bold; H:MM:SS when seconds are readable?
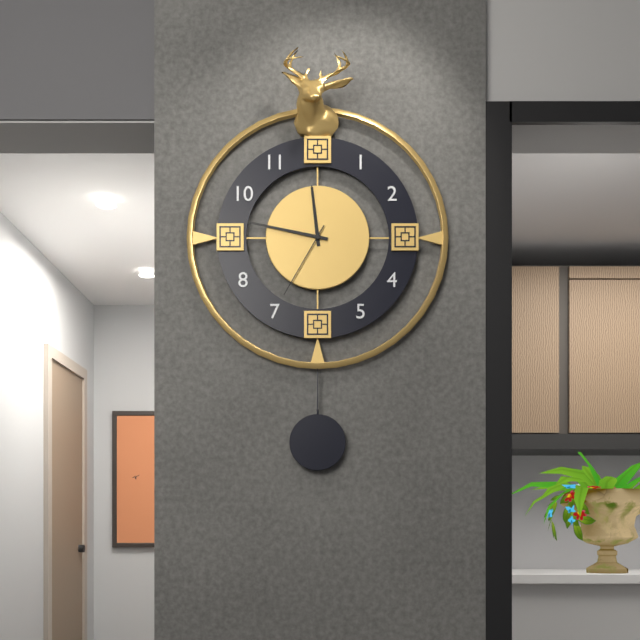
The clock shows **11:47:35**
